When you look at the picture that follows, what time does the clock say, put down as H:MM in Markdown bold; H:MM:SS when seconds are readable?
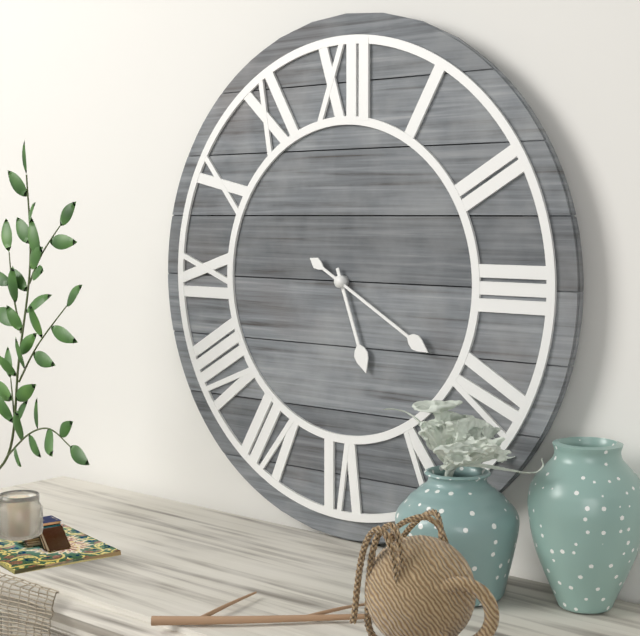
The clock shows **5:20**
